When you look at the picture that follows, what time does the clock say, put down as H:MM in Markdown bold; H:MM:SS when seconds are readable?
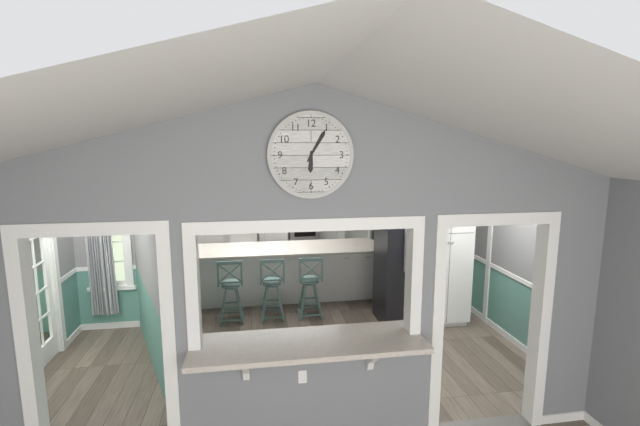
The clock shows **6:05**
